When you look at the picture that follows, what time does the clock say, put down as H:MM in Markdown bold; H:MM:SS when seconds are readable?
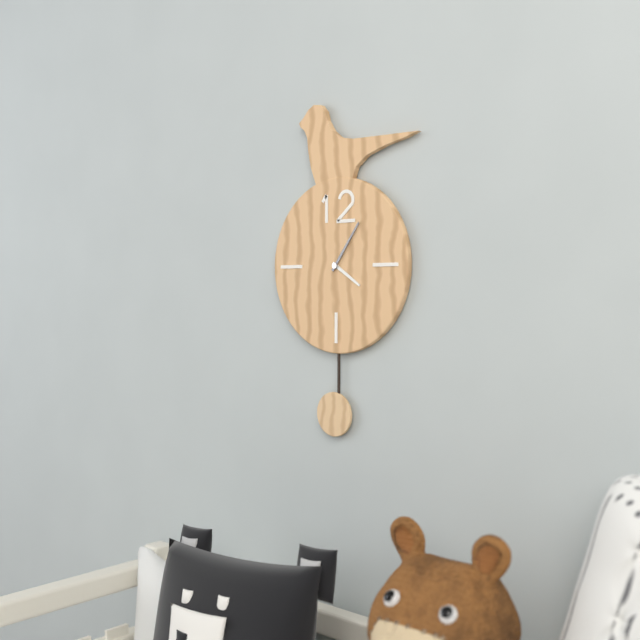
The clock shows **4:06**
